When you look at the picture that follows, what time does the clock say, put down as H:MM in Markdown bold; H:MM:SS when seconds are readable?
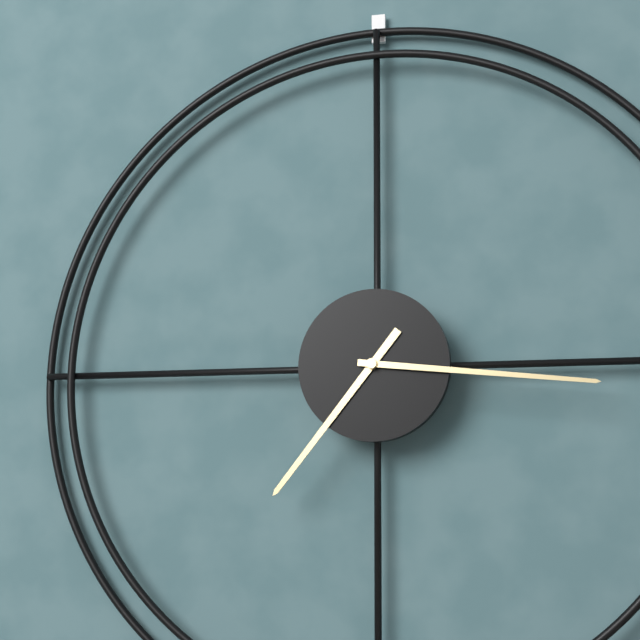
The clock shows **7:16**
